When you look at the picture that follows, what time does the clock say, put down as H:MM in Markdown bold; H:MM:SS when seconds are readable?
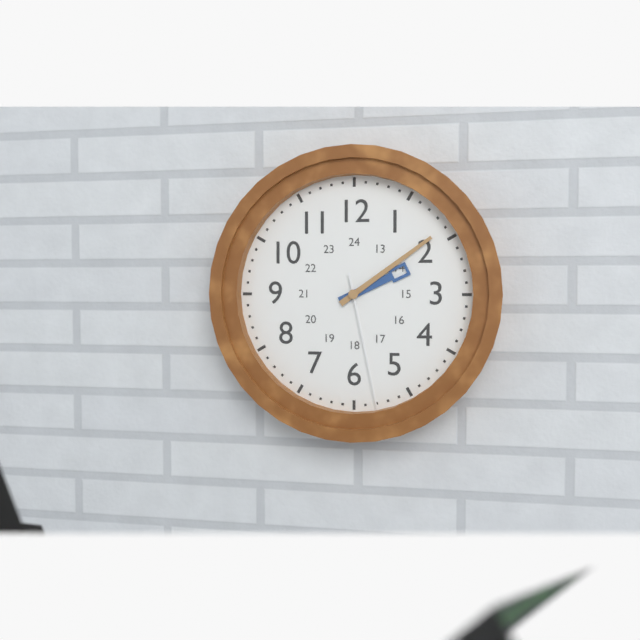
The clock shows **2:09:28**
